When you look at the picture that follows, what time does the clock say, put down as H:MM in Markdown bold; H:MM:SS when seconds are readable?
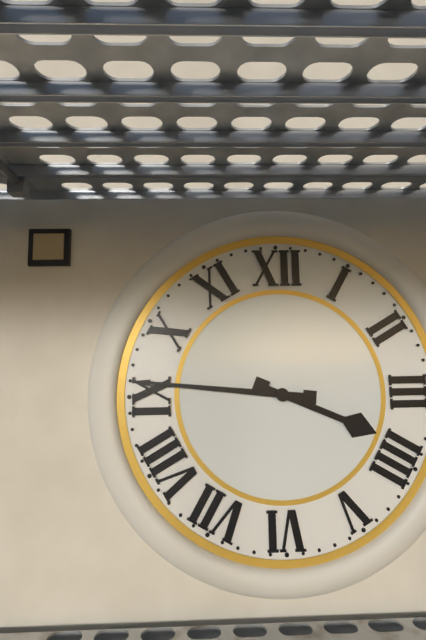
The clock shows **3:46**
